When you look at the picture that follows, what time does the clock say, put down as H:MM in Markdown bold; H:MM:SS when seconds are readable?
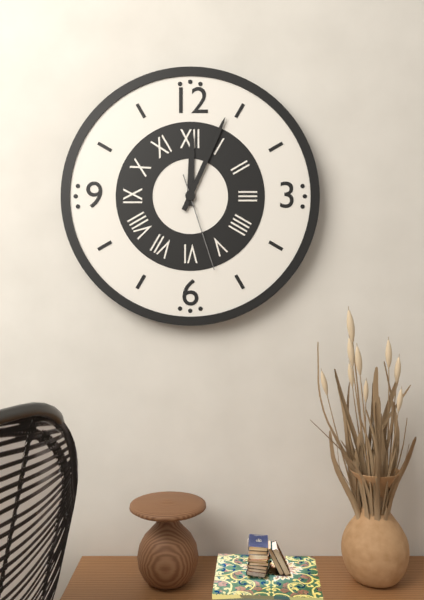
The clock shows **12:04:27**
